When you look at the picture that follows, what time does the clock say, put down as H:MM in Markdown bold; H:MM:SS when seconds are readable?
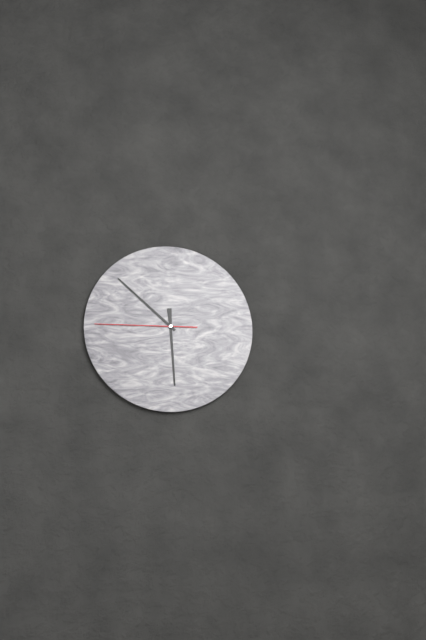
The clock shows **5:52:45**
